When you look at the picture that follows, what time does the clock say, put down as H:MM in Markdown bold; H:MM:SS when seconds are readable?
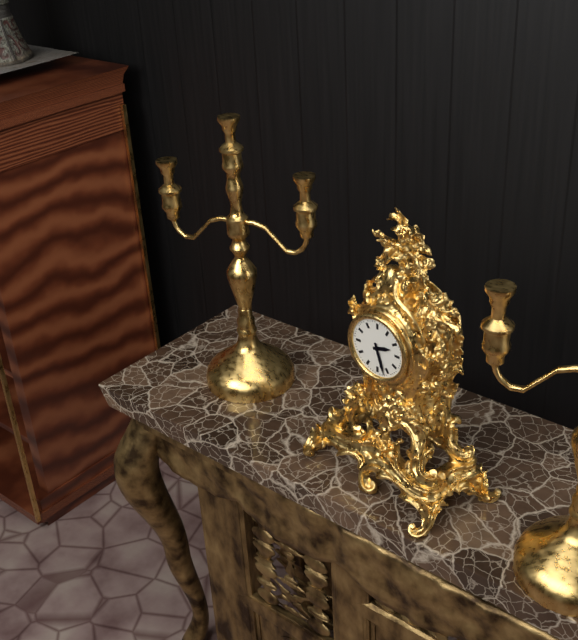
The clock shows **2:27**
